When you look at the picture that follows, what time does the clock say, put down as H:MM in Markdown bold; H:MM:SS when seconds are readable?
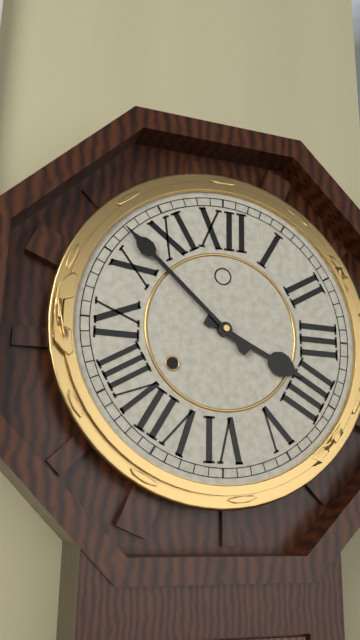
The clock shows **3:52**
